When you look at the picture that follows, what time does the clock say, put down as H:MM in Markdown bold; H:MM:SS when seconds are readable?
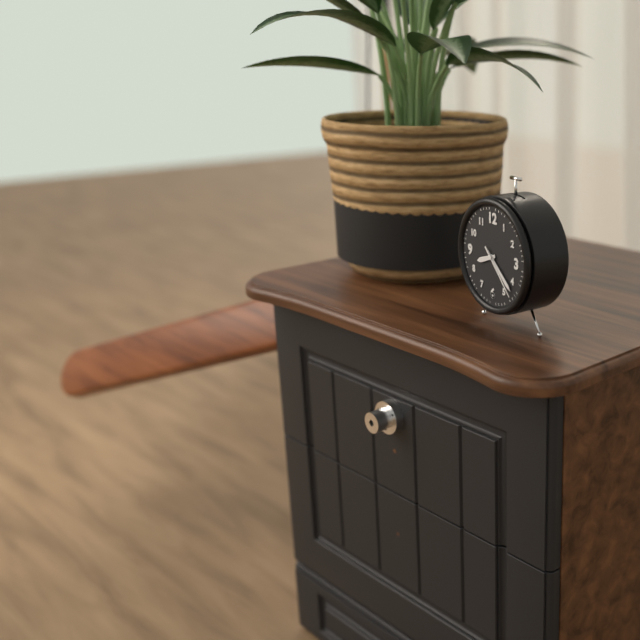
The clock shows **8:22:23**
